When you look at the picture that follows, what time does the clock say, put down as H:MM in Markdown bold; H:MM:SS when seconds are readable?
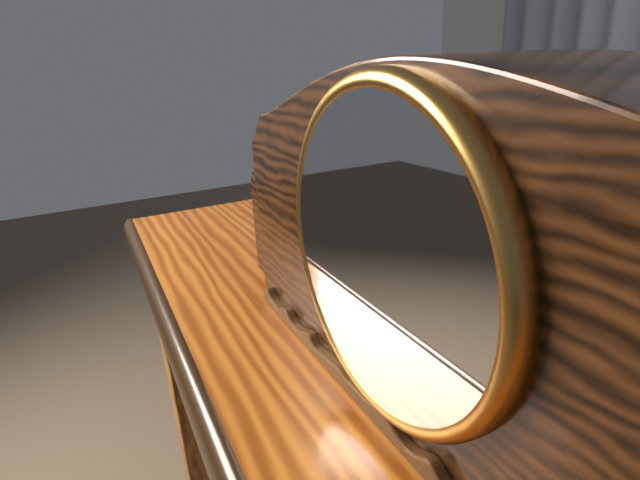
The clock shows **5:05**
